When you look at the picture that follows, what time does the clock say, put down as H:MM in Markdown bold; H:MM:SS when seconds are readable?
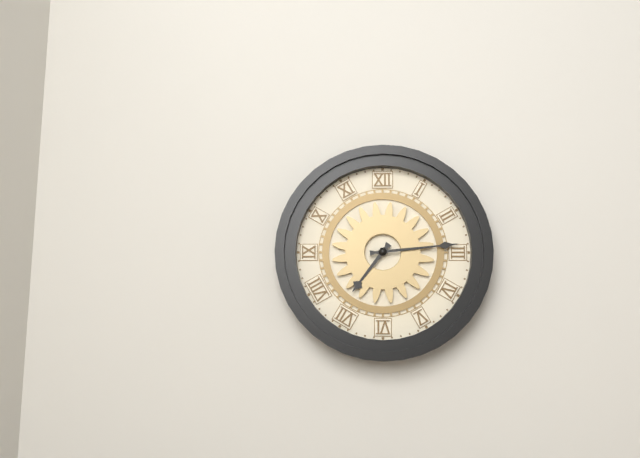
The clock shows **7:14**
